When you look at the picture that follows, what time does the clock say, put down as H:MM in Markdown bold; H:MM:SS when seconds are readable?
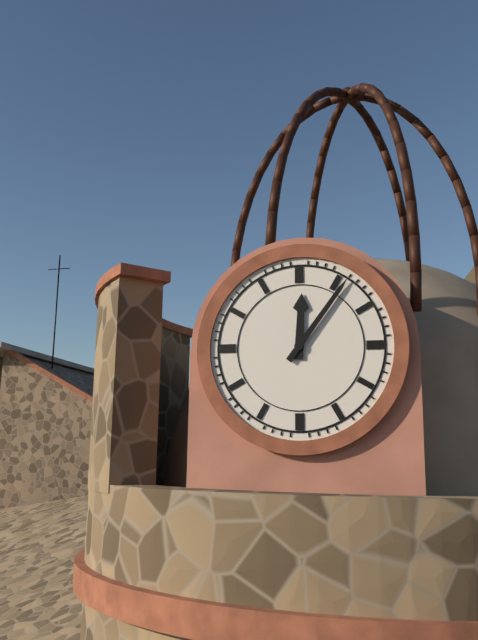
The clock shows **12:06**
